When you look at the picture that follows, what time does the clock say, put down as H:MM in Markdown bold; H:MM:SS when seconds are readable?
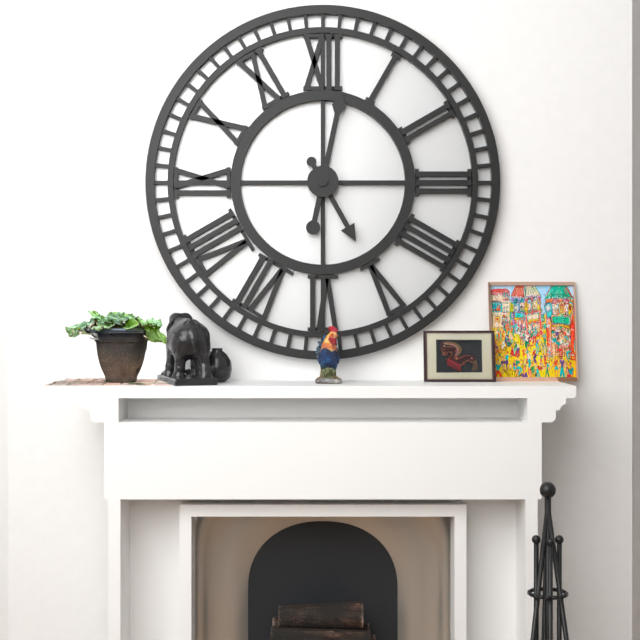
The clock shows **5:02**
